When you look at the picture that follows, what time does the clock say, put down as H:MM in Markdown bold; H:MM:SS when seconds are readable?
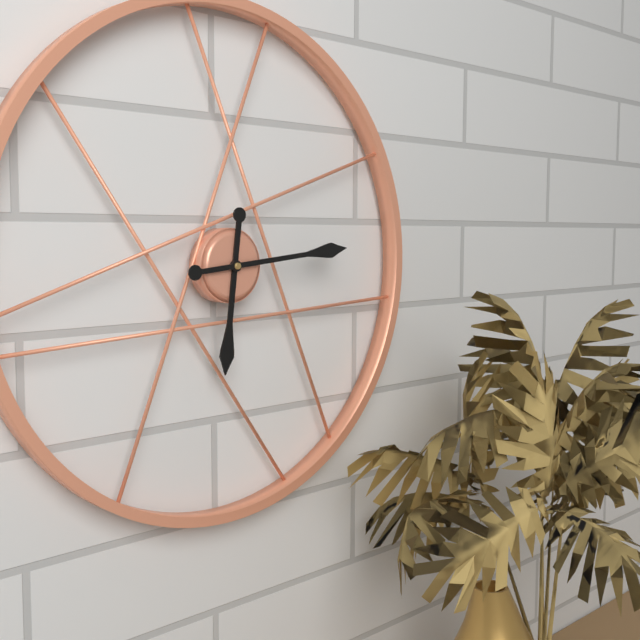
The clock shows **6:14**
